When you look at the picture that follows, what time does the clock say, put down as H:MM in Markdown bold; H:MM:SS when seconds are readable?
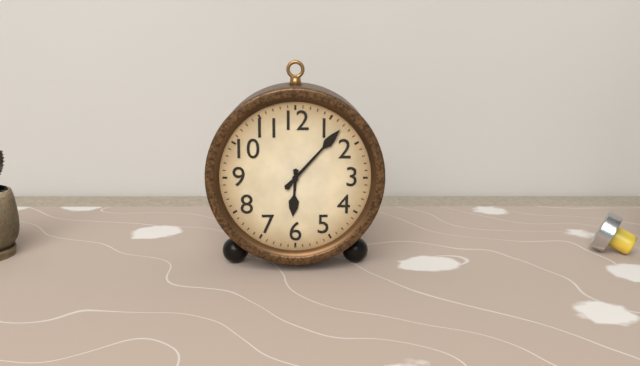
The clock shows **6:07**
